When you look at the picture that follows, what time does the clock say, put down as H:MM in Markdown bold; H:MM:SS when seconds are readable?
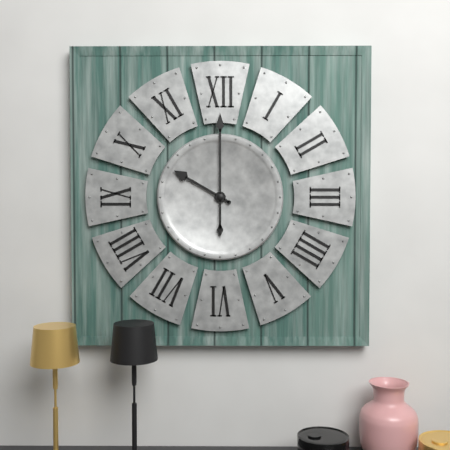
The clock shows **10:00**
